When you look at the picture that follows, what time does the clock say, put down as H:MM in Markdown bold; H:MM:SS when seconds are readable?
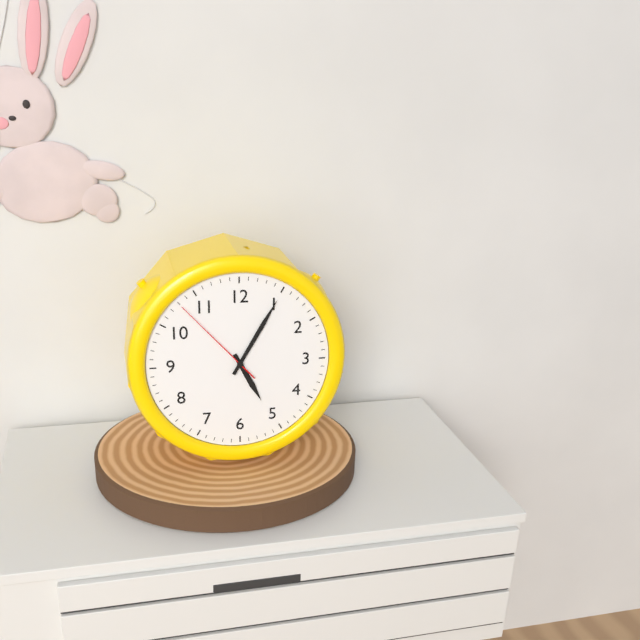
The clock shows **5:05:53**
